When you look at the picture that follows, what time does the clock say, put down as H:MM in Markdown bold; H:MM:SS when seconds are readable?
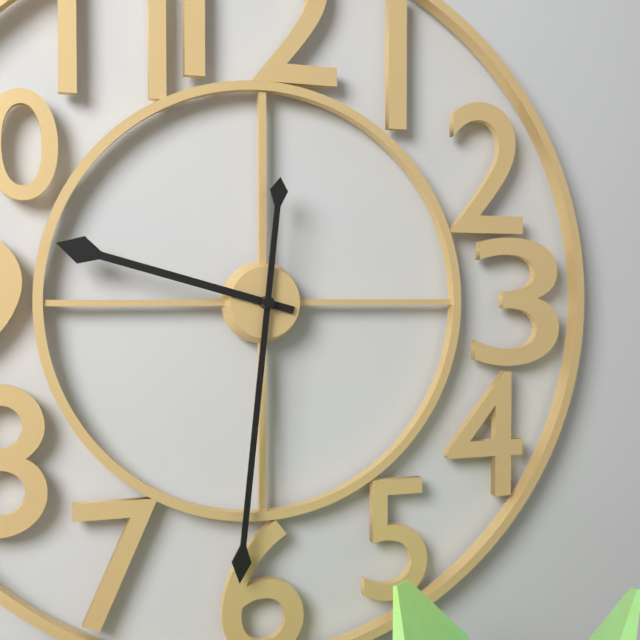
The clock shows **9:31**
